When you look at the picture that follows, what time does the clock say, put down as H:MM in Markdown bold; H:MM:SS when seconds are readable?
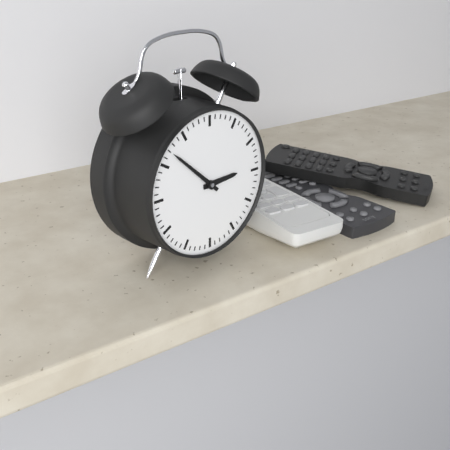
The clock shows **2:52**
